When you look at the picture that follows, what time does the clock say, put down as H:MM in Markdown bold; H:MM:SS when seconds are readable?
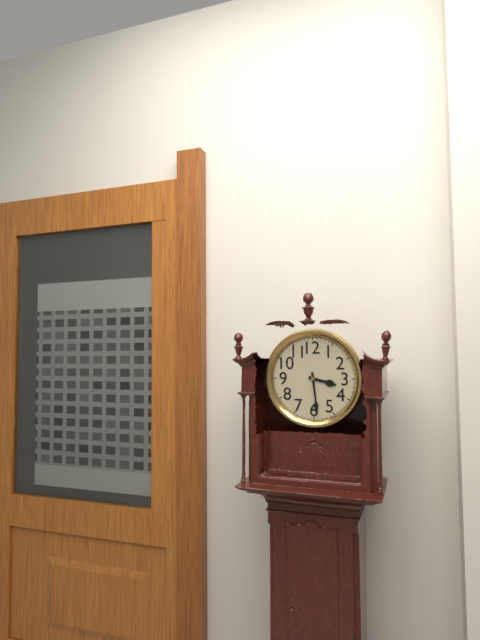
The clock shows **3:29**
